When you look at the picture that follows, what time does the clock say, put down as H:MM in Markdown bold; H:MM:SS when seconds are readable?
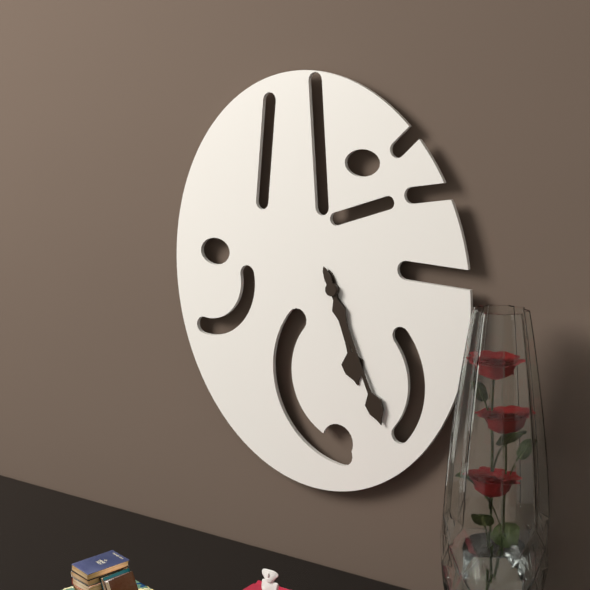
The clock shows **5:26**
